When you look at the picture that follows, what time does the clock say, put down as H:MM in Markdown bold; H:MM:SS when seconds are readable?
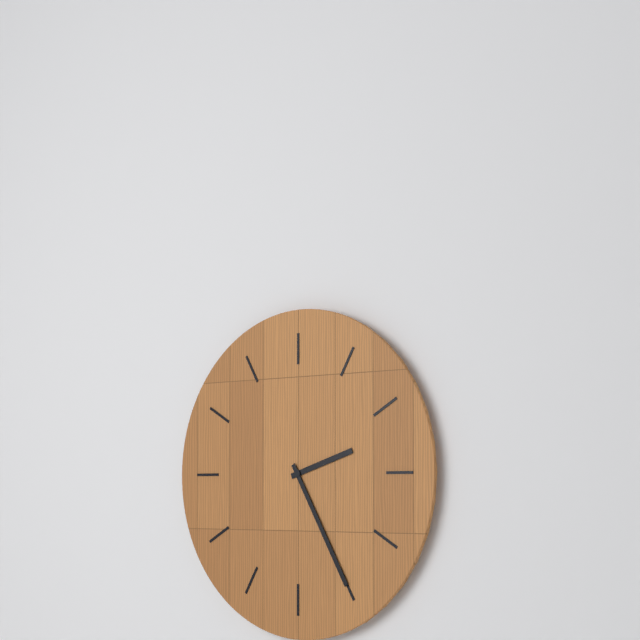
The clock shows **2:25**
